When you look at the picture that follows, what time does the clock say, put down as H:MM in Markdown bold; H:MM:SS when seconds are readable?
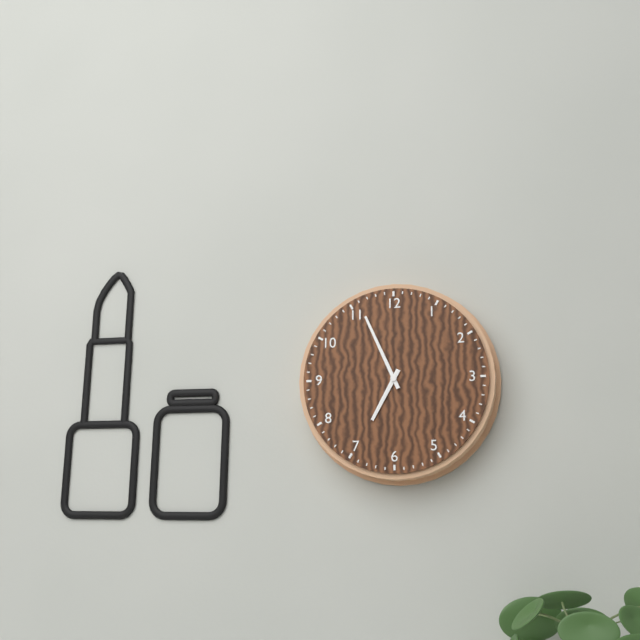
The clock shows **6:56**
